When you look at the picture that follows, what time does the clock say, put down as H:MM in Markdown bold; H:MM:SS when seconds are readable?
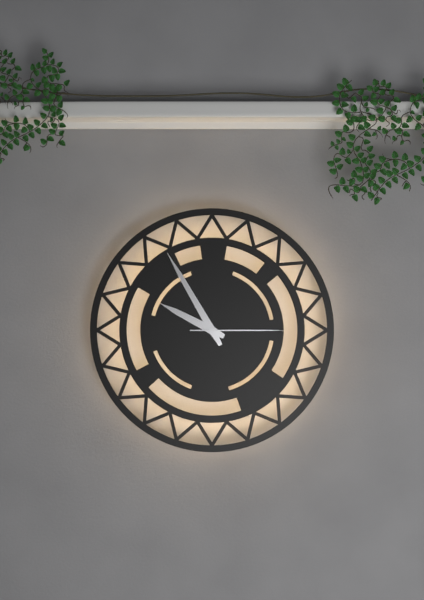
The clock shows **9:55:15**
